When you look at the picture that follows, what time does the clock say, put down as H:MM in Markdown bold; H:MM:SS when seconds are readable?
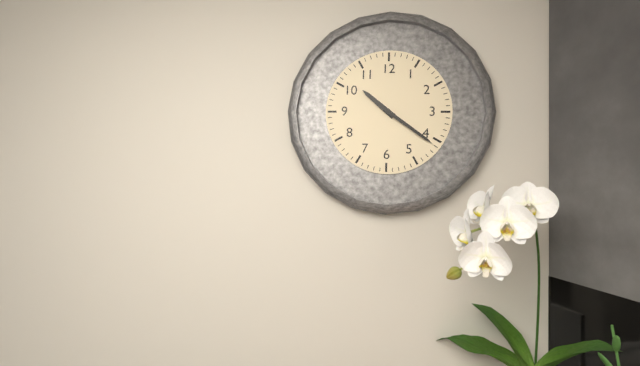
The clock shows **10:21**
